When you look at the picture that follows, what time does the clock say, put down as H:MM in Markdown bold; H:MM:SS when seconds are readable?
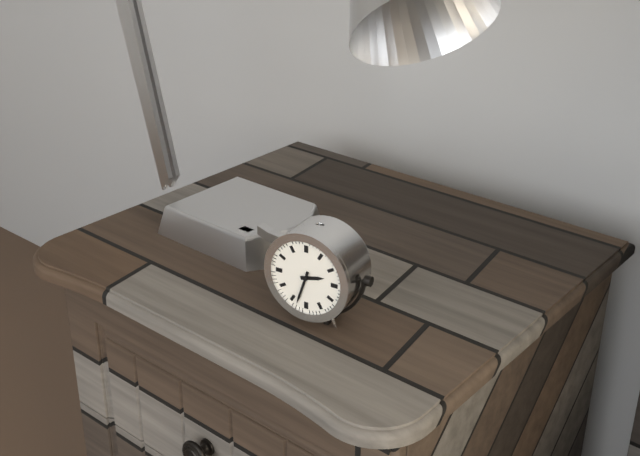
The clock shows **2:33**
